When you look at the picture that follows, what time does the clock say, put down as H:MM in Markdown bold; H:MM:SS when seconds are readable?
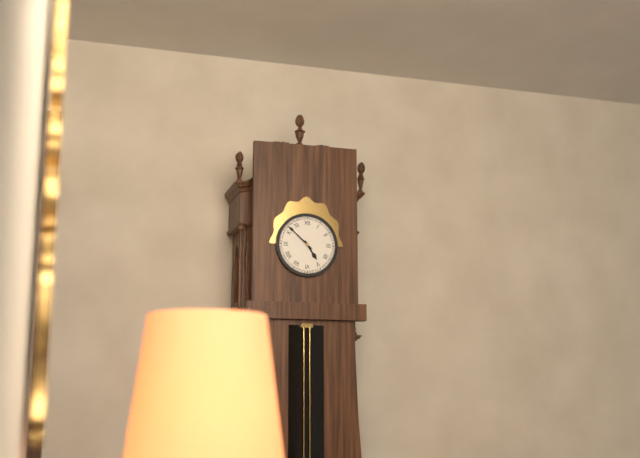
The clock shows **4:52**
